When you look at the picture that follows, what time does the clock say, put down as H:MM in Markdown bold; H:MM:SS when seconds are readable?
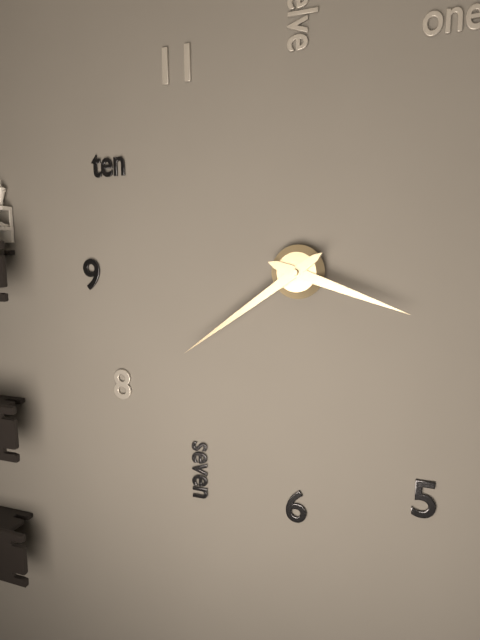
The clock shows **3:39**
